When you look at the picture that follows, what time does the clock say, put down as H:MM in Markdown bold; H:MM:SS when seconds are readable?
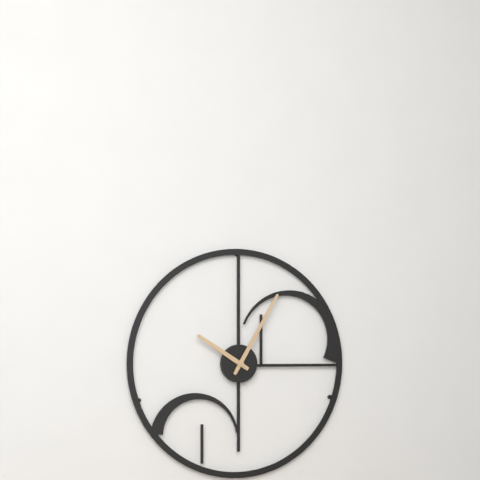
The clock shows **10:05**
